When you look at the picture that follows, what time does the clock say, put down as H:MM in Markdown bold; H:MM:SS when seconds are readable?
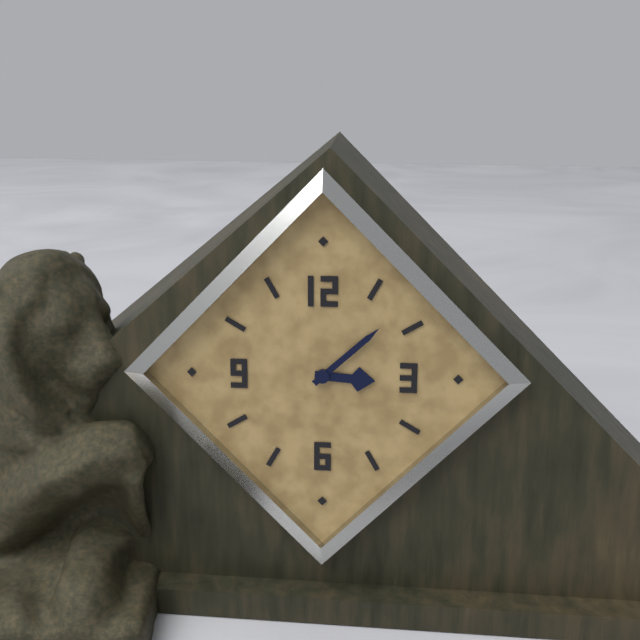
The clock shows **3:08**
